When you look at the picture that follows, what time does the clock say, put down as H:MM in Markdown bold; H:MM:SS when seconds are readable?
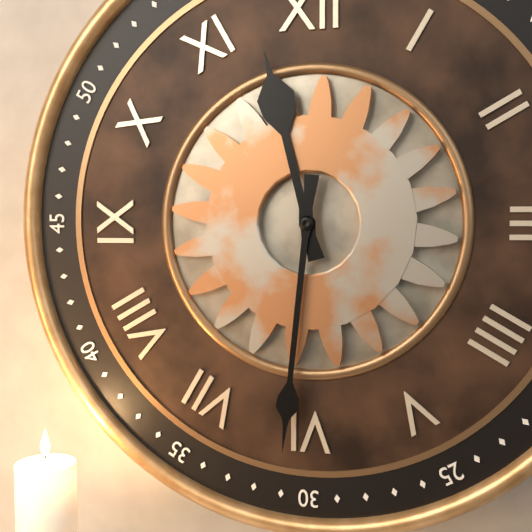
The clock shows **11:31**
